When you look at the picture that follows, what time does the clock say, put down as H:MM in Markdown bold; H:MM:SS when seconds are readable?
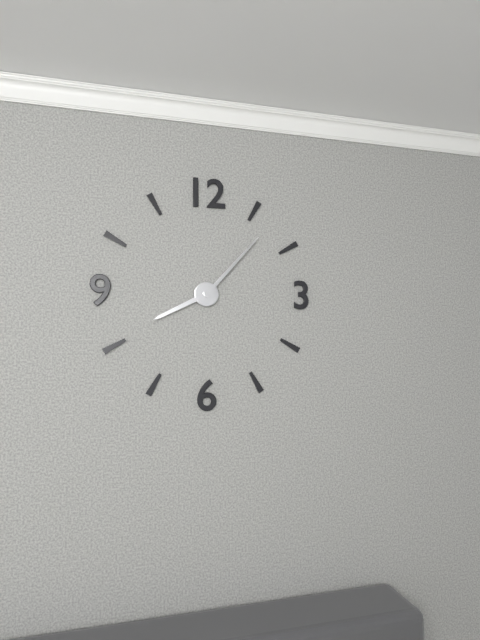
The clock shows **8:07**
